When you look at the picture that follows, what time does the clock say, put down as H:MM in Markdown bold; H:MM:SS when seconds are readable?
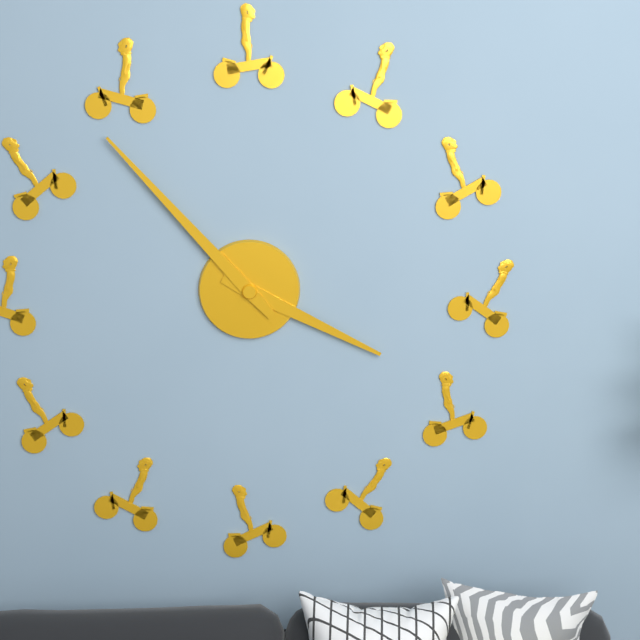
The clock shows **3:53**
